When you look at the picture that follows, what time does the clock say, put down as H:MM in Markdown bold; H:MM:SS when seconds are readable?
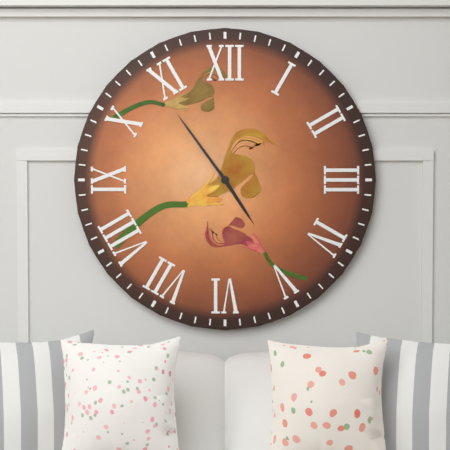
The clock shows **4:54**
